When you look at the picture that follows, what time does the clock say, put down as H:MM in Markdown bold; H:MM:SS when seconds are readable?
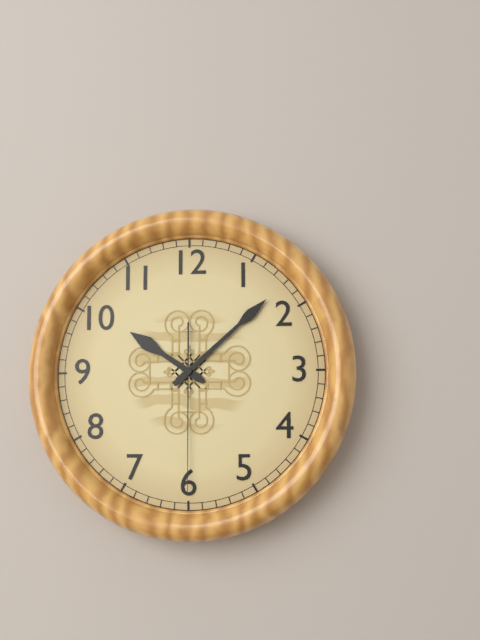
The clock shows **10:08:30**
